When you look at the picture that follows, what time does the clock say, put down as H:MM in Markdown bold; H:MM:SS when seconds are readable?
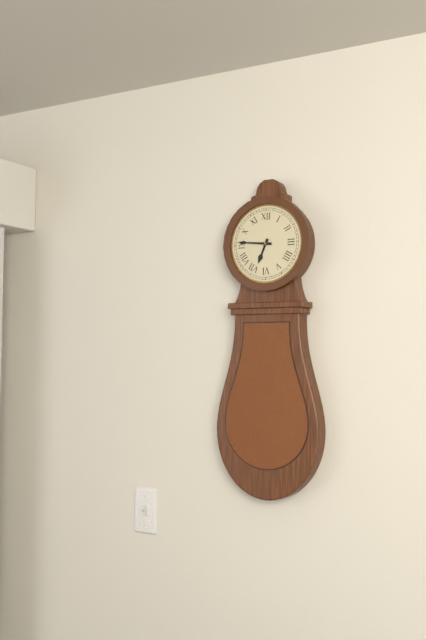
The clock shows **6:46**
